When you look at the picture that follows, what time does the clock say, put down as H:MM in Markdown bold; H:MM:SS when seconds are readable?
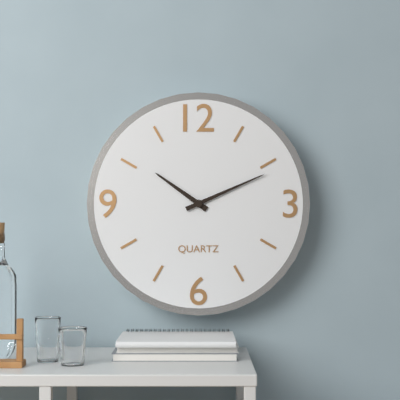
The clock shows **10:11**
